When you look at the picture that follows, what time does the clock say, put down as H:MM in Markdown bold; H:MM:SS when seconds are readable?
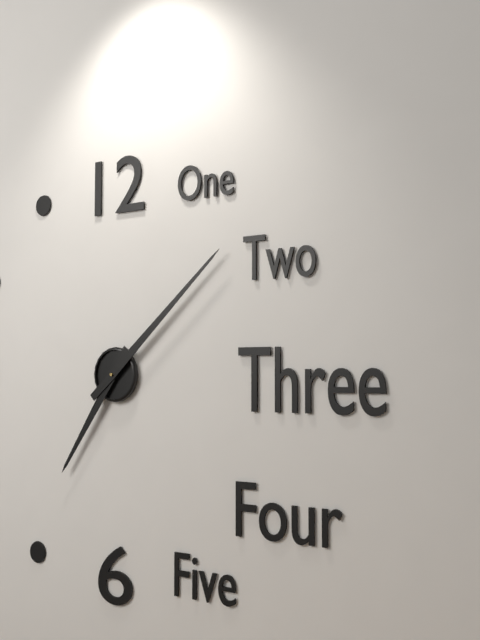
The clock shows **7:08**
